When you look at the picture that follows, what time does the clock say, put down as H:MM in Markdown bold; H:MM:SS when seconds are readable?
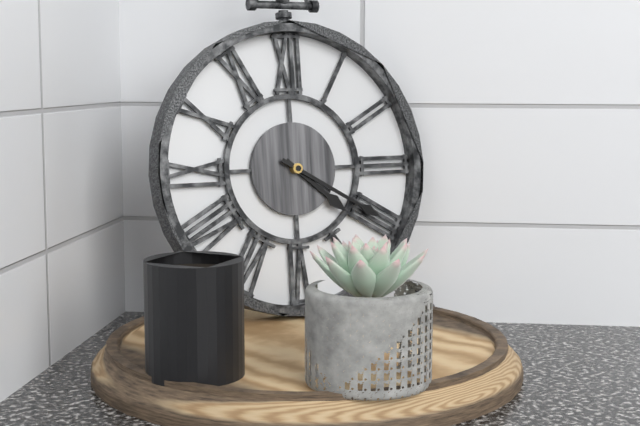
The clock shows **4:20**
